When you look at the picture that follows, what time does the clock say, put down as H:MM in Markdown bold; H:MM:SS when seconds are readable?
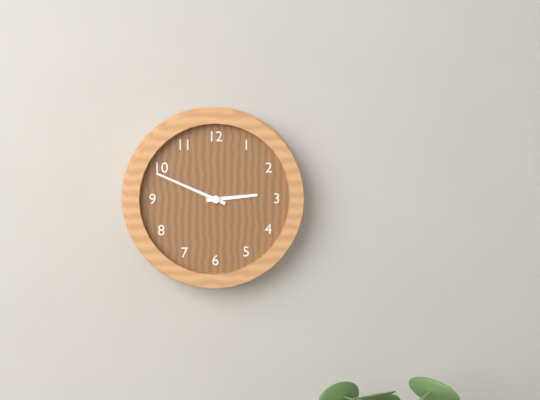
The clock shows **2:49**
